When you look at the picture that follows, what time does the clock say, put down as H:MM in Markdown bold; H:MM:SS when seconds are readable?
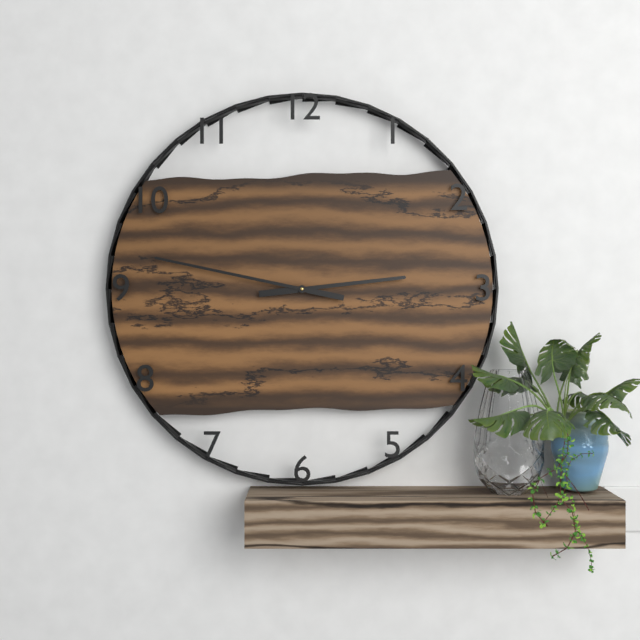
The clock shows **2:47**
